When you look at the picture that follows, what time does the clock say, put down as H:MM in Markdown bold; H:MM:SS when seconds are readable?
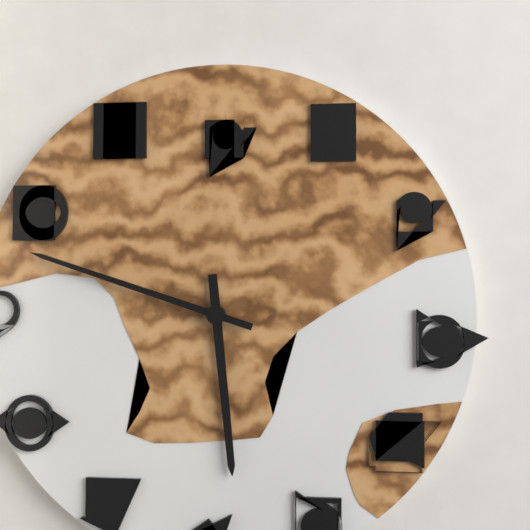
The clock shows **5:48**
